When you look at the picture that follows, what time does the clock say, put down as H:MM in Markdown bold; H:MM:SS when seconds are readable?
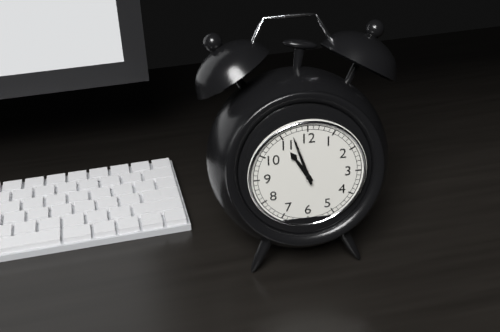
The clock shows **10:57**
